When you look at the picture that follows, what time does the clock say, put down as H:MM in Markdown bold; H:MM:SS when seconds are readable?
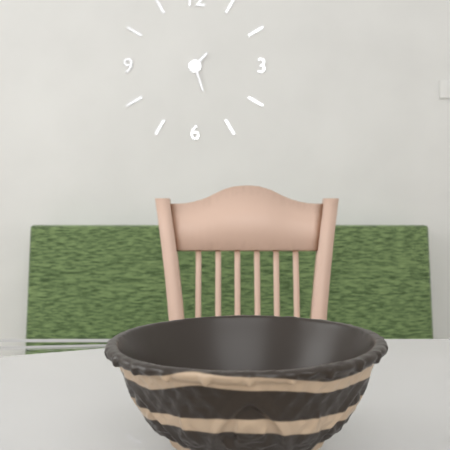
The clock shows **1:27**
